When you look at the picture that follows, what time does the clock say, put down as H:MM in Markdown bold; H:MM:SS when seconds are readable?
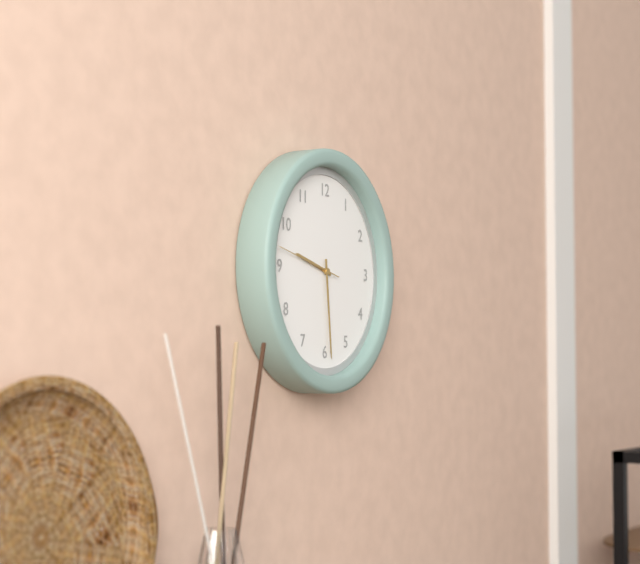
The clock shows **9:29:47**
